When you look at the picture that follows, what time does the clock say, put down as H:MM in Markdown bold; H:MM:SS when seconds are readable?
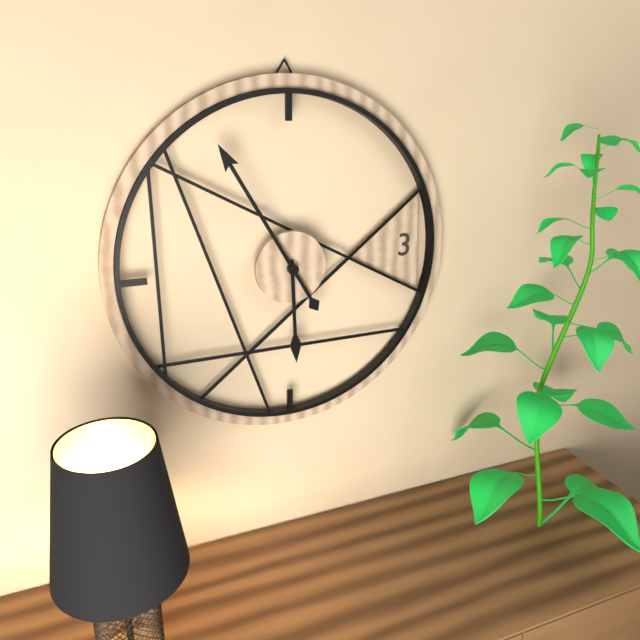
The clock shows **5:55**
